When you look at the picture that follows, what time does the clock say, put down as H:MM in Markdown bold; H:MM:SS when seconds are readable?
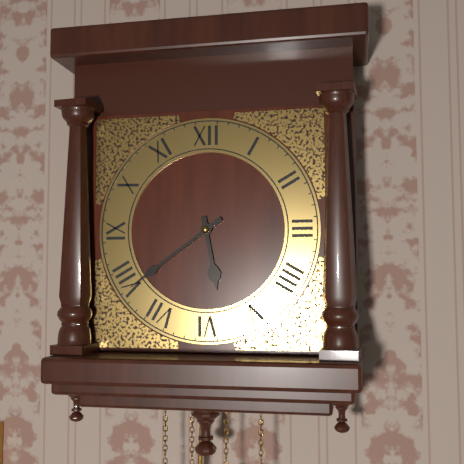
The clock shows **5:39**
